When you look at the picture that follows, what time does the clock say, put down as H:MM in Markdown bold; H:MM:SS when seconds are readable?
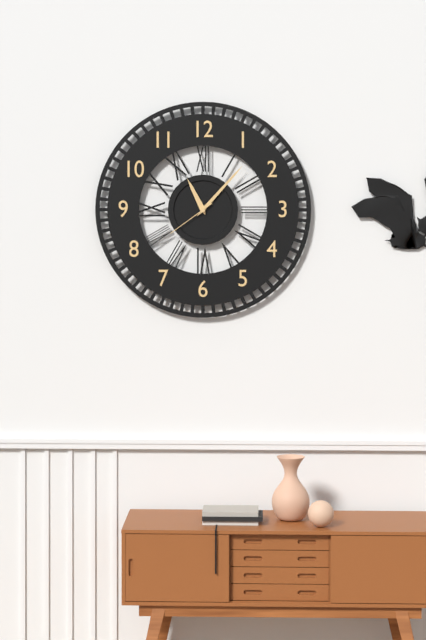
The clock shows **11:07:39**
